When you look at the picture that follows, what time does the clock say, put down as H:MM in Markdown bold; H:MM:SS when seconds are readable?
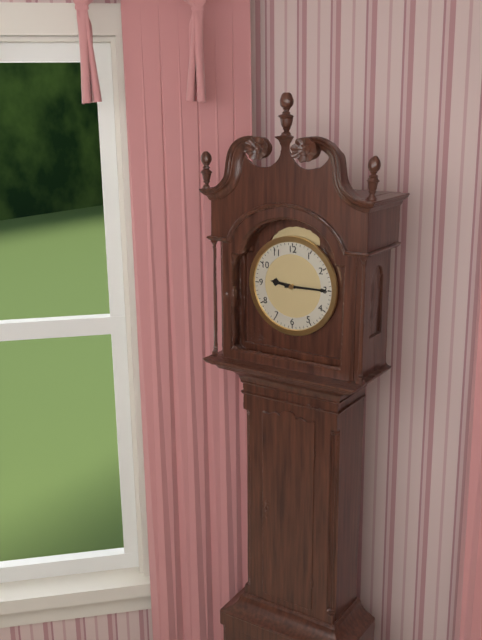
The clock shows **9:15**
